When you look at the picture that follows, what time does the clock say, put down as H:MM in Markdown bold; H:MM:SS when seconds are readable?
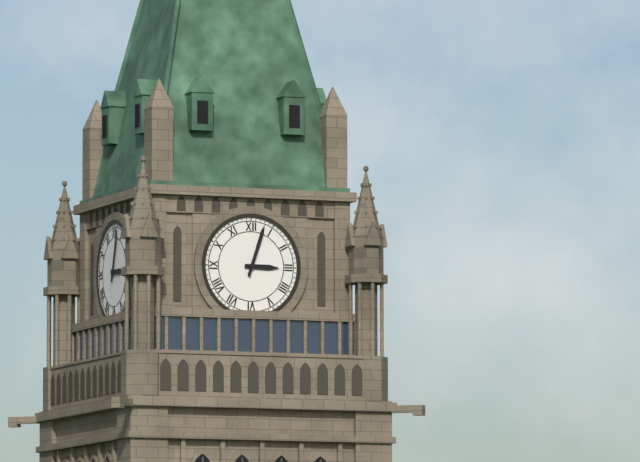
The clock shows **3:03**
